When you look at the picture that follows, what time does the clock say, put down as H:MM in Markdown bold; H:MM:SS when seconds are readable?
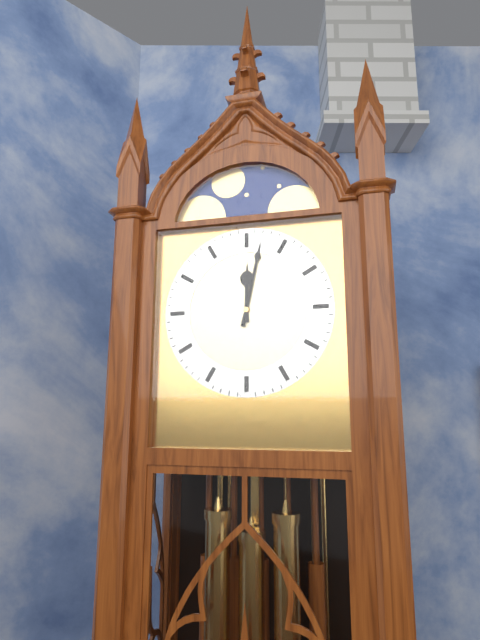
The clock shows **12:02**
